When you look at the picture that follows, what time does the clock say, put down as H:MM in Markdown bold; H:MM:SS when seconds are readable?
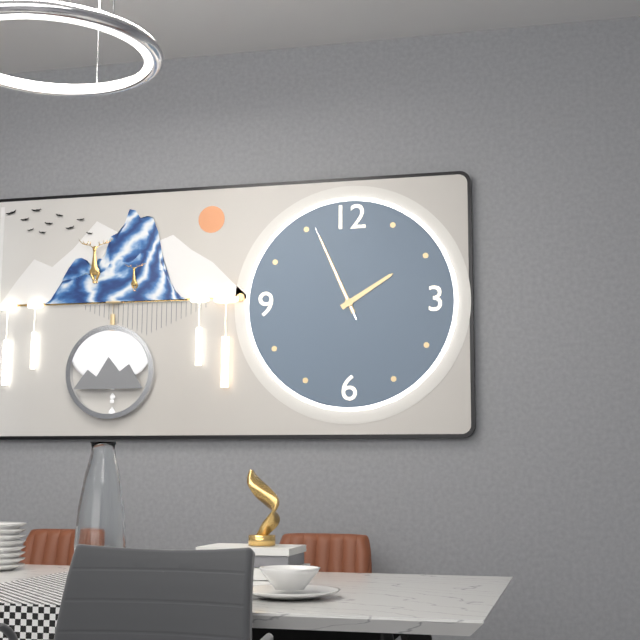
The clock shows **1:56:56**
